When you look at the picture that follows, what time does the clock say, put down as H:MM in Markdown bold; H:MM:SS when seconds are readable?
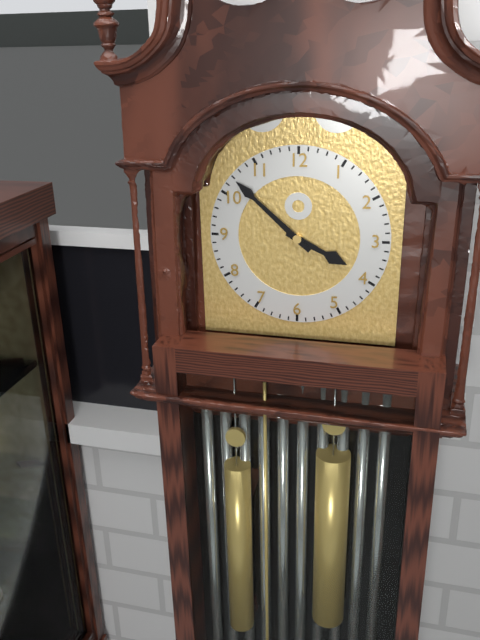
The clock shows **3:52**
